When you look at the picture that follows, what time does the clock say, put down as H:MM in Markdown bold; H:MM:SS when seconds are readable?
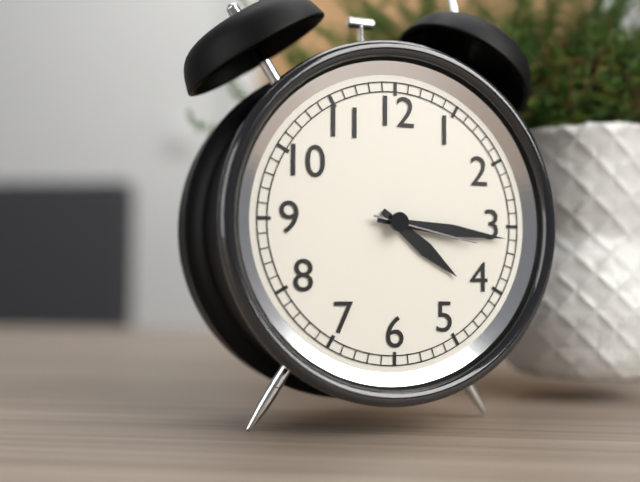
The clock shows **4:16:17**
